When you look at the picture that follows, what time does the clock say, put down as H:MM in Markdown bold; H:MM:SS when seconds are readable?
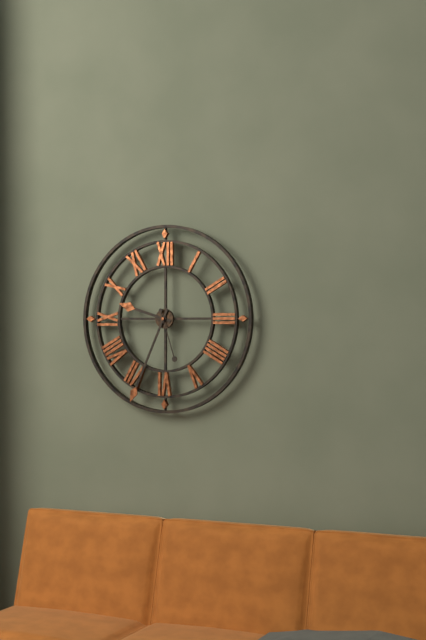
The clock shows **9:34:27**
